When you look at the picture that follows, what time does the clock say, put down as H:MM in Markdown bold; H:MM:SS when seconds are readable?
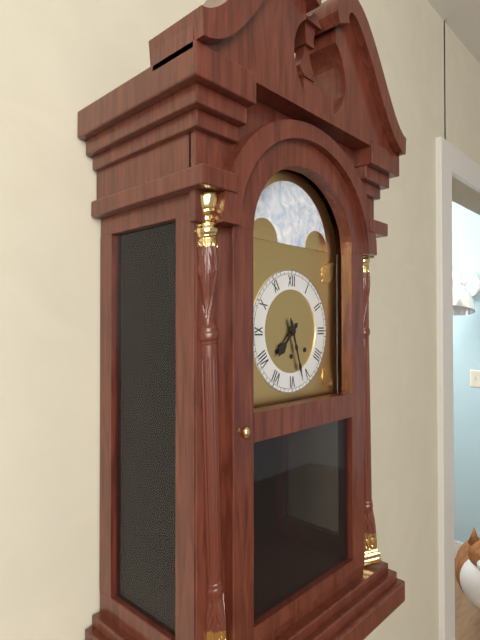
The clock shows **7:27**
